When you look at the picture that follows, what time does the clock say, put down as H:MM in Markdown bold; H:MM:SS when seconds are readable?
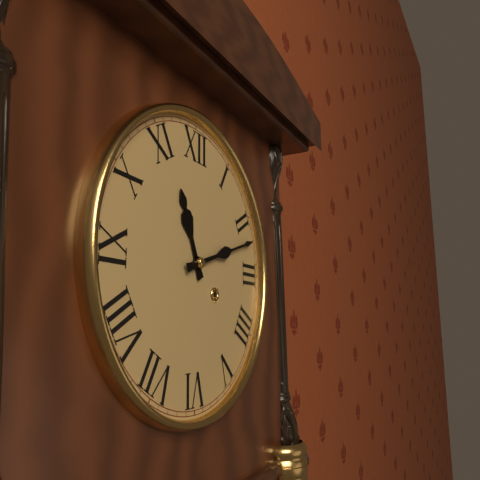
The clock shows **11:12**
